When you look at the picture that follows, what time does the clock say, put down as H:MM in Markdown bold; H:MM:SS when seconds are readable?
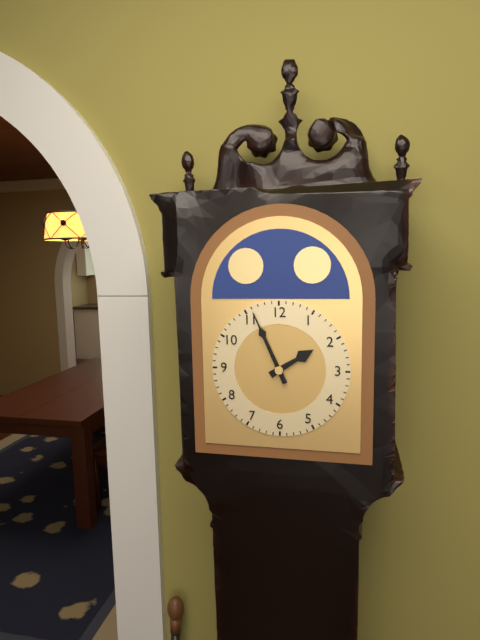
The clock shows **1:56**
